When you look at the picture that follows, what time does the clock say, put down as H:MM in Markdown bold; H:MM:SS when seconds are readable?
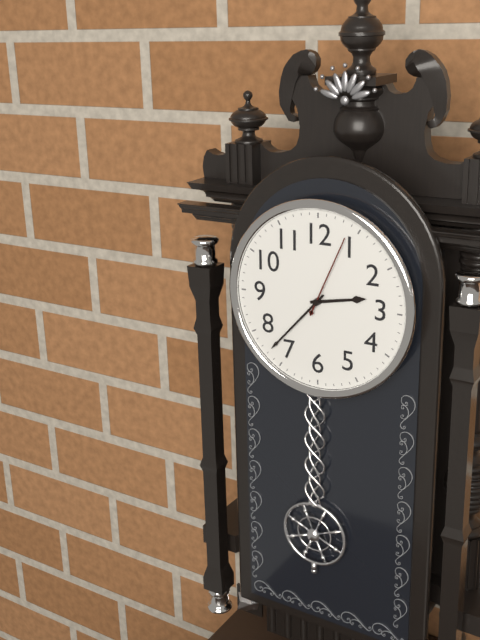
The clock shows **2:37:04**
